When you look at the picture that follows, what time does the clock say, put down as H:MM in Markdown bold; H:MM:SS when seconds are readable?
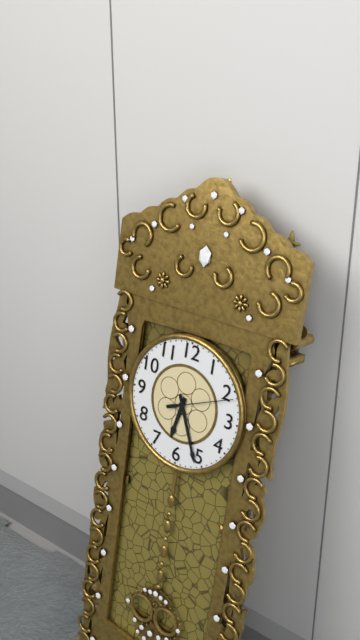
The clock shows **6:26:11**
